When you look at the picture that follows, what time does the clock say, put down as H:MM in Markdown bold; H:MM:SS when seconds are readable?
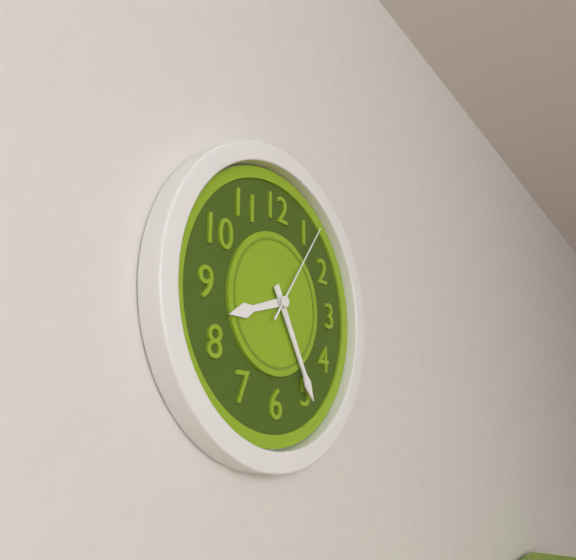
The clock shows **8:25:06**
